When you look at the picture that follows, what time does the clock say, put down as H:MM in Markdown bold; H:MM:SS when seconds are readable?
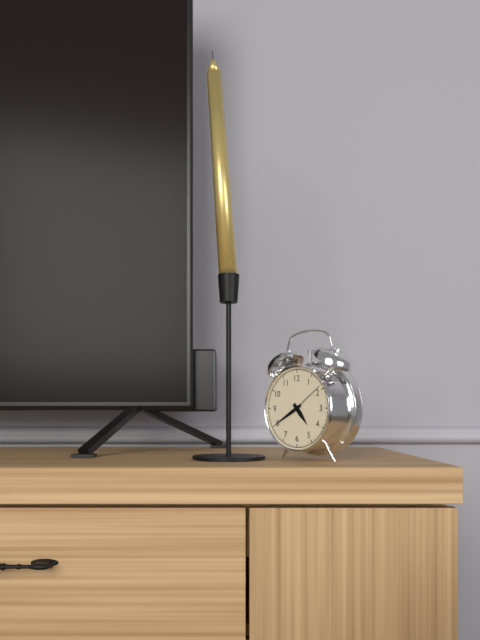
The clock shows **4:40**
